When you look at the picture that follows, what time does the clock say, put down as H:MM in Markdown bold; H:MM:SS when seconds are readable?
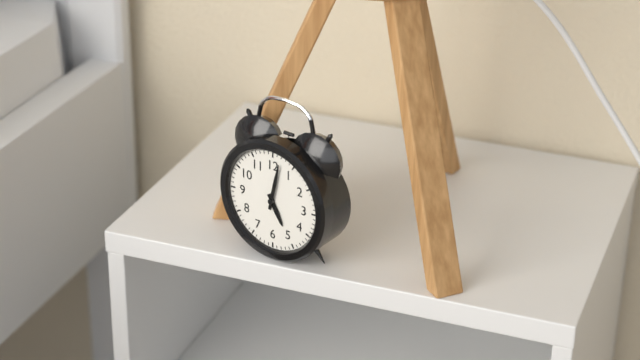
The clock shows **5:02**
